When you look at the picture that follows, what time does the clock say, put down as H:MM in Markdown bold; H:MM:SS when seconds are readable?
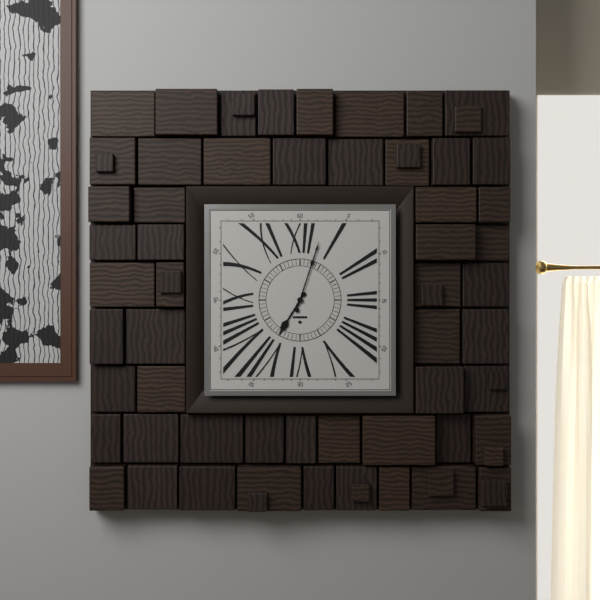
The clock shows **7:03**
